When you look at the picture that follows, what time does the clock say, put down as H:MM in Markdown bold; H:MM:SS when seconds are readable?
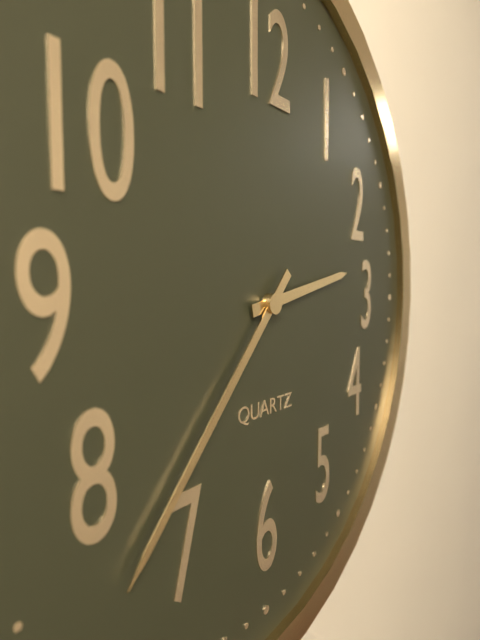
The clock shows **2:37**
